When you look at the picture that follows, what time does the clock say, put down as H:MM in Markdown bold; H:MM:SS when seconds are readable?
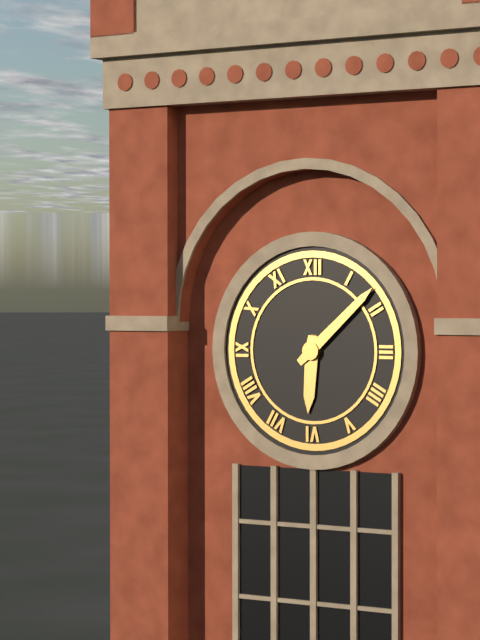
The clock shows **6:08**
